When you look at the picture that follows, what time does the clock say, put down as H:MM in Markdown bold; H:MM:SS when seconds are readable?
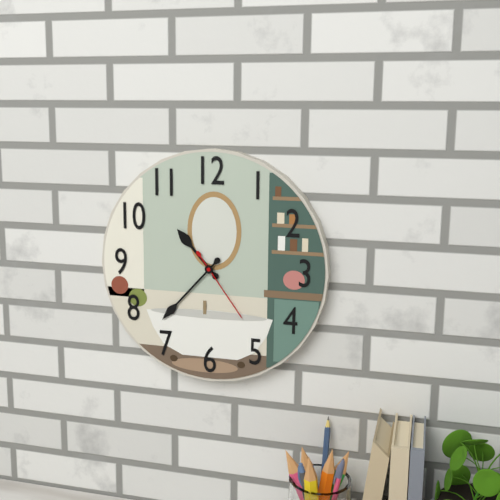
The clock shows **10:37:24**
